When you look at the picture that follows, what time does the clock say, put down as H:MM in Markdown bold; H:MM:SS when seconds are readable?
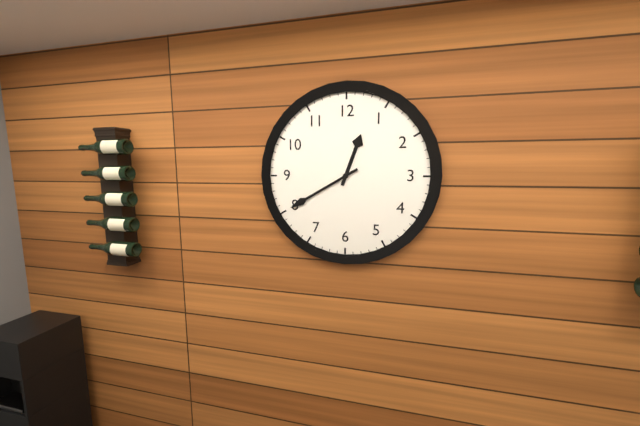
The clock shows **12:40**
